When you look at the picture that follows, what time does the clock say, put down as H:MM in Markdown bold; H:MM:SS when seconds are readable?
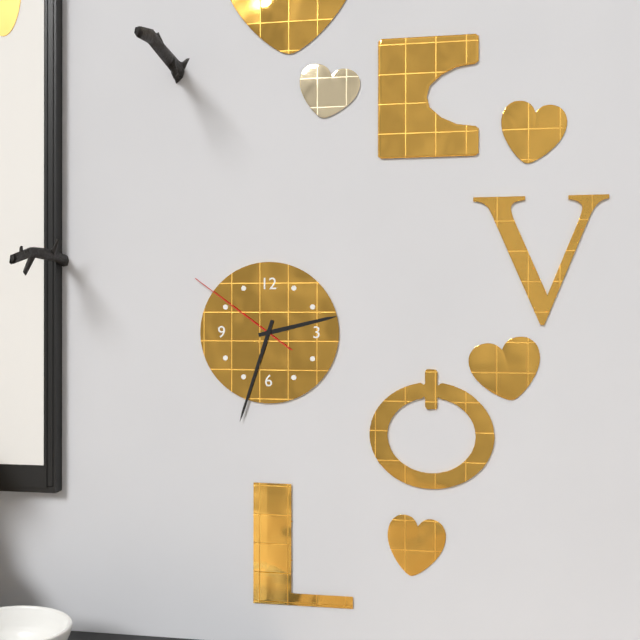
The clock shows **2:33:51**
